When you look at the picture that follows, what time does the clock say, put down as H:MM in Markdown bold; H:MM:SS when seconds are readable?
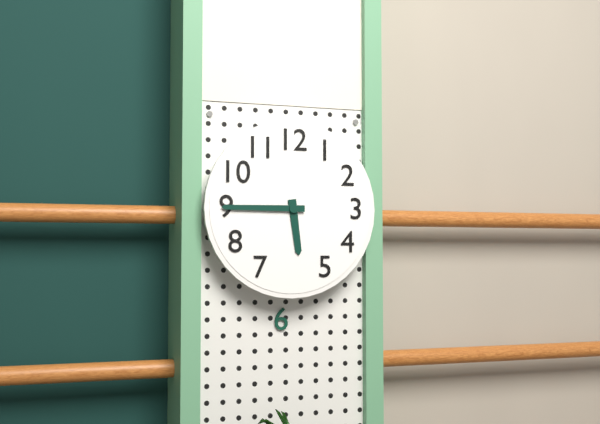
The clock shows **5:45**
